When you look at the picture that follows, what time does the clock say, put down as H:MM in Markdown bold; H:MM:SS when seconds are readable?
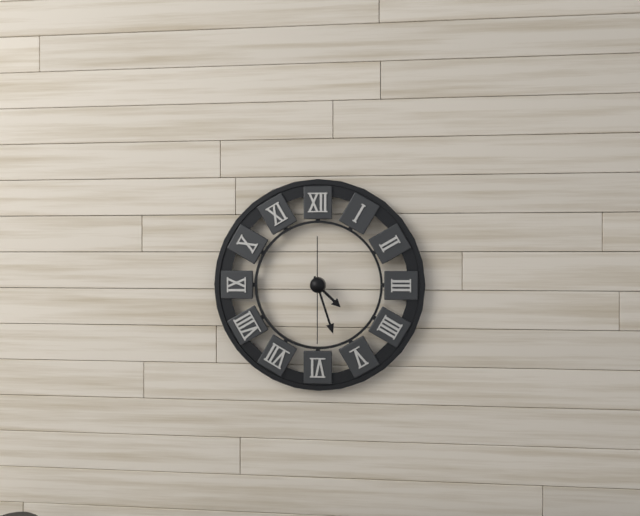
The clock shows **4:27:30**
